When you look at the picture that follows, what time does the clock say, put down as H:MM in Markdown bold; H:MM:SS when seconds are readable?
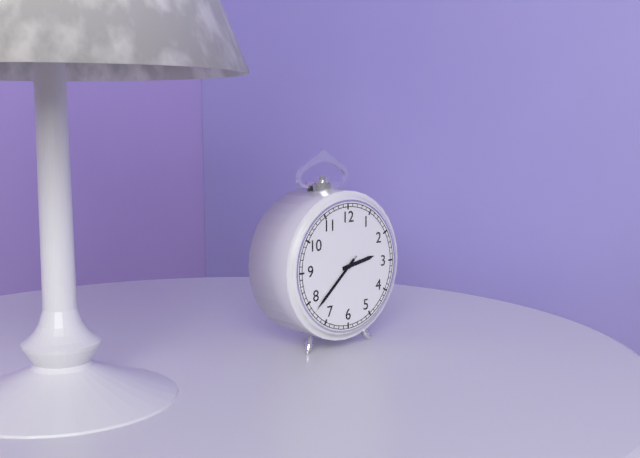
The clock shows **2:38:38**
